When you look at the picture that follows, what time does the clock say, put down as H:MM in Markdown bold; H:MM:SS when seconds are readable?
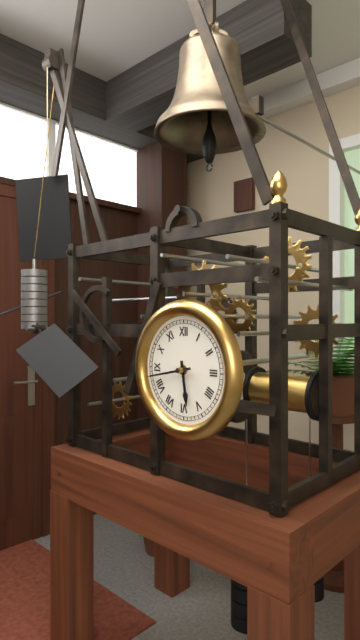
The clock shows **5:43**
